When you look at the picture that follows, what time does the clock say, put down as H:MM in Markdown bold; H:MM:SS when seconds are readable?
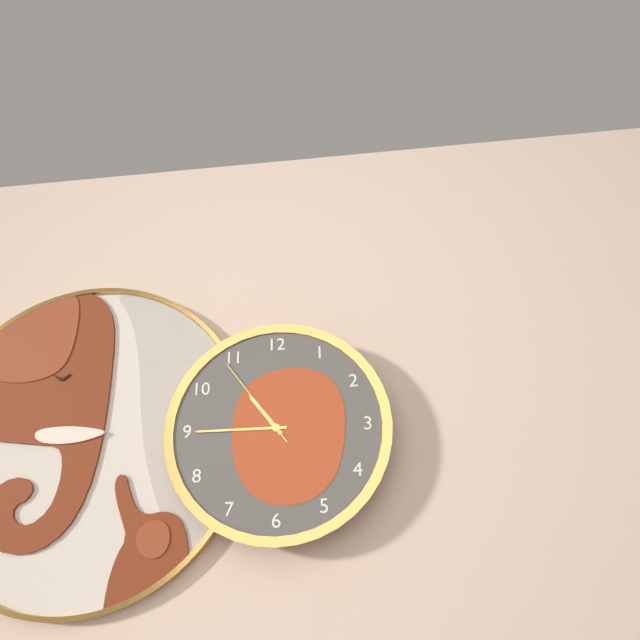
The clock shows **10:45:54**
